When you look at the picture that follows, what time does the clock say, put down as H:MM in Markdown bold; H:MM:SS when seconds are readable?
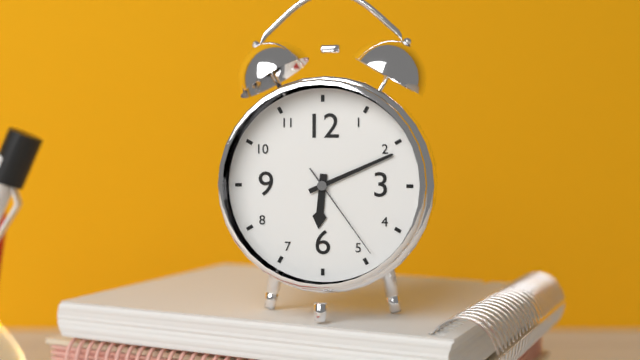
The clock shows **6:11:24**
